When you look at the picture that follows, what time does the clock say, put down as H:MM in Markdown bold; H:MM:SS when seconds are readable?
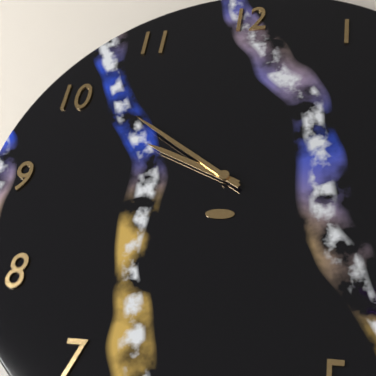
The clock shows **9:51**
